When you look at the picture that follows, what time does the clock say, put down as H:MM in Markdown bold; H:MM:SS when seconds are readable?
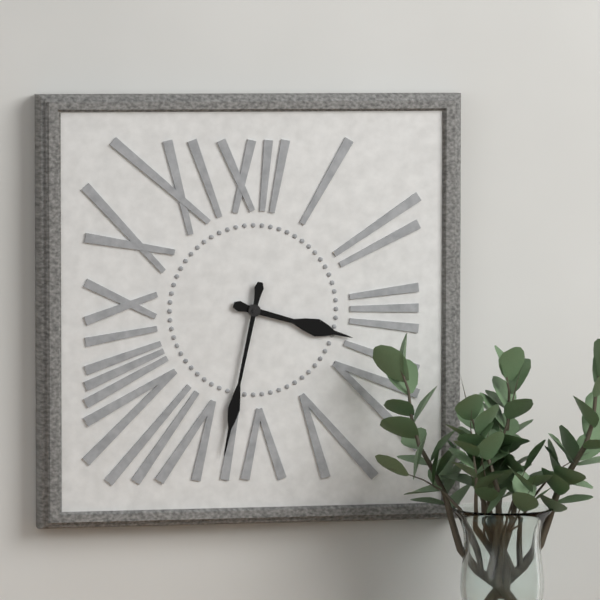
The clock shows **3:32**
